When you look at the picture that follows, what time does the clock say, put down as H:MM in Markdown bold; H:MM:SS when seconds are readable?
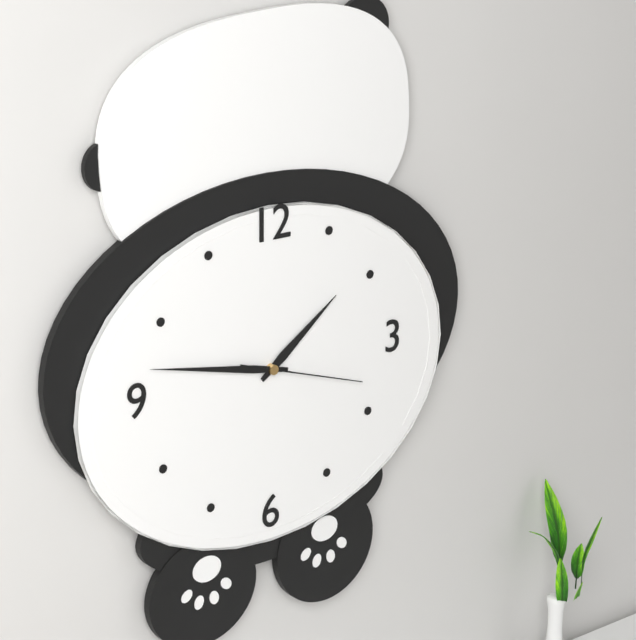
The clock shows **1:47:18**
